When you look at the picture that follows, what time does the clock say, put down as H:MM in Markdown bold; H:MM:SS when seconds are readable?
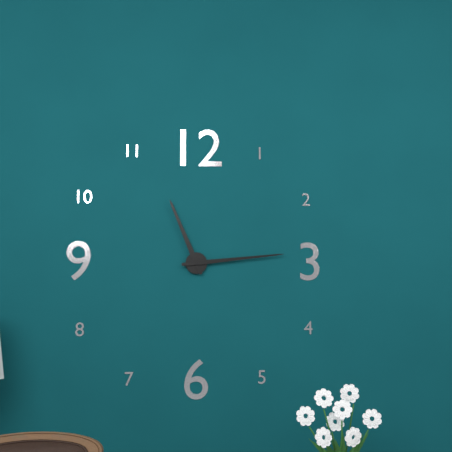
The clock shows **11:14**
